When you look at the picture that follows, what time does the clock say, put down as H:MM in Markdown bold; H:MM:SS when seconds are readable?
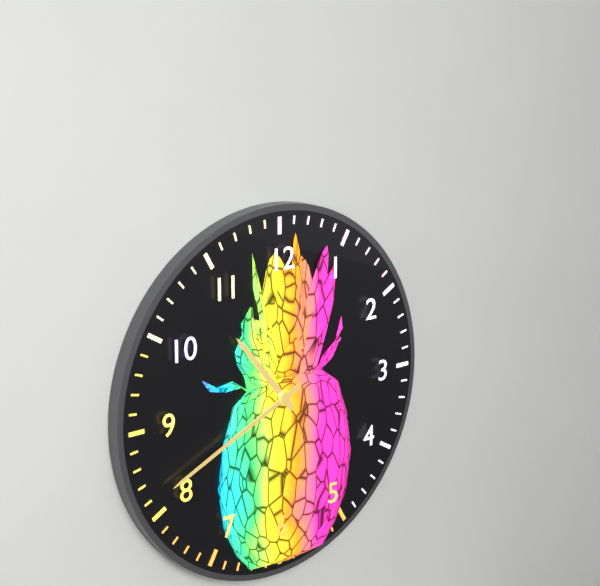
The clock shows **10:41**
